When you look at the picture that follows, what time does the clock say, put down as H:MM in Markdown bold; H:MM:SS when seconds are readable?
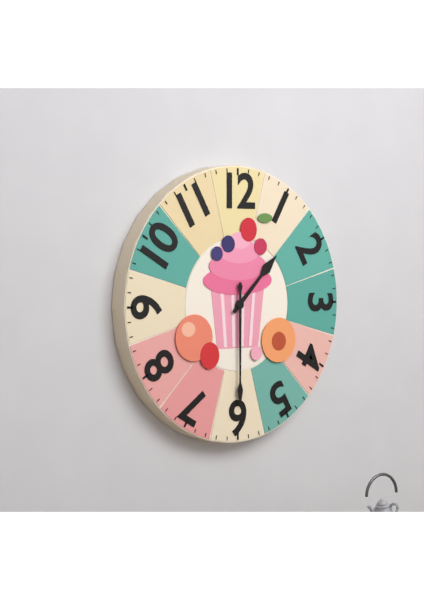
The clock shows **1:30**
